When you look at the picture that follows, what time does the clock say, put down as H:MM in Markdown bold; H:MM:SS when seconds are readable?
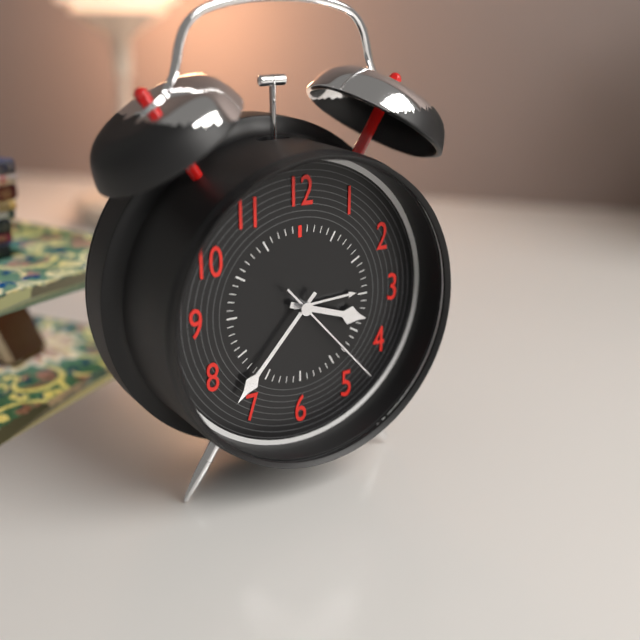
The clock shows **3:37:23**
